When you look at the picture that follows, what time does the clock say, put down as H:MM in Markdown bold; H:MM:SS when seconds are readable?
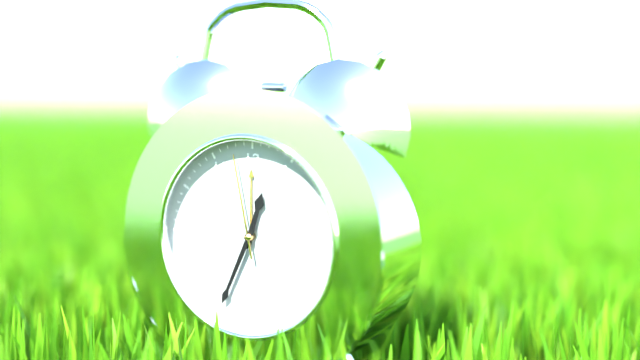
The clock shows **12:34:58**
